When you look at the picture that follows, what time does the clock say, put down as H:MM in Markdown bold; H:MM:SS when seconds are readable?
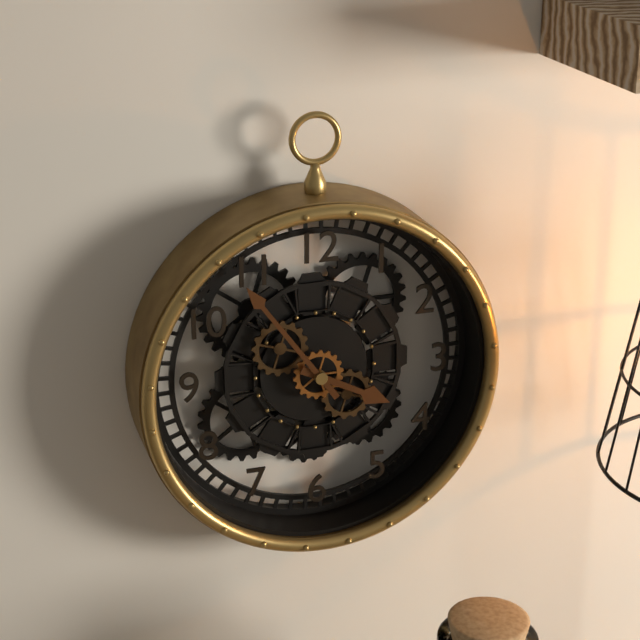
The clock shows **3:54**
